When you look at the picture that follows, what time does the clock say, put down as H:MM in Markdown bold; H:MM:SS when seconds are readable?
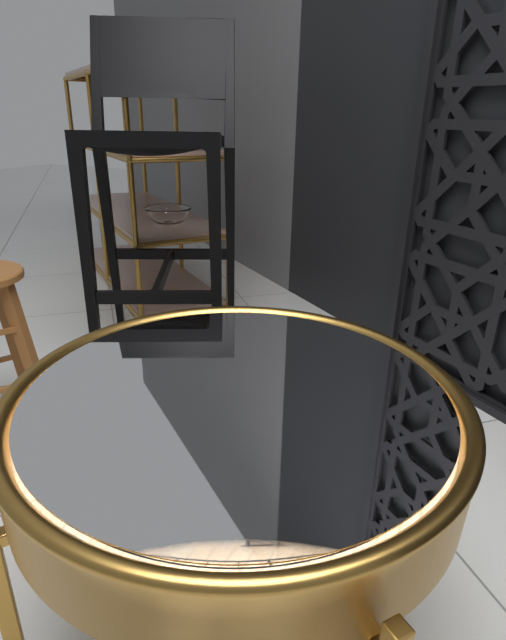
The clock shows **12:01**
